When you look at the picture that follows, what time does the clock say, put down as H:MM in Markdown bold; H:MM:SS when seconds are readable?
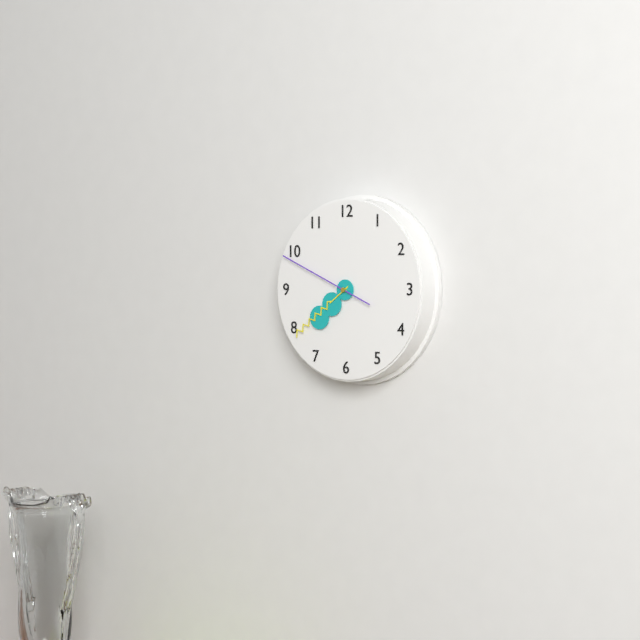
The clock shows **7:39:49**
